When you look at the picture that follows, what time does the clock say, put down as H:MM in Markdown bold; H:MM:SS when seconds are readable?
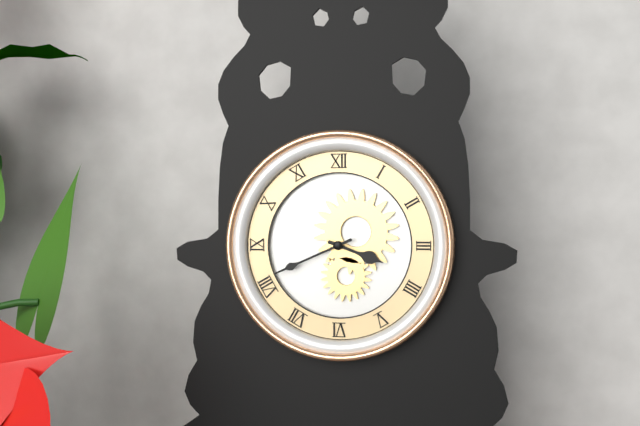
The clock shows **3:41**
